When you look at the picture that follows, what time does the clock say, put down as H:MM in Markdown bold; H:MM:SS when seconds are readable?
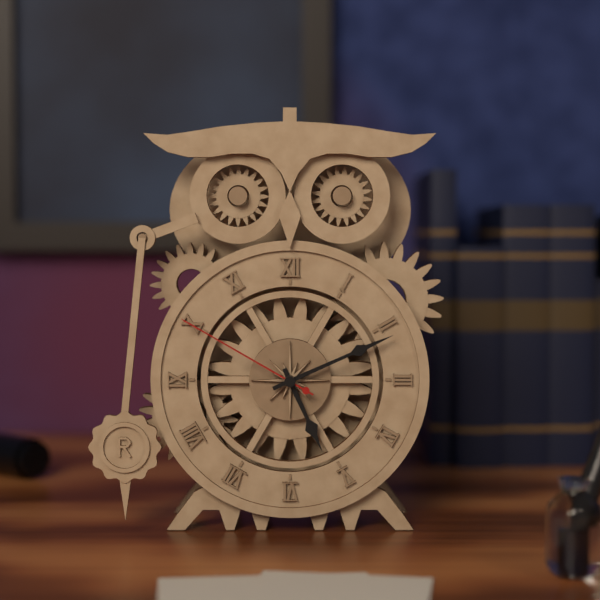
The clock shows **5:11:50**
